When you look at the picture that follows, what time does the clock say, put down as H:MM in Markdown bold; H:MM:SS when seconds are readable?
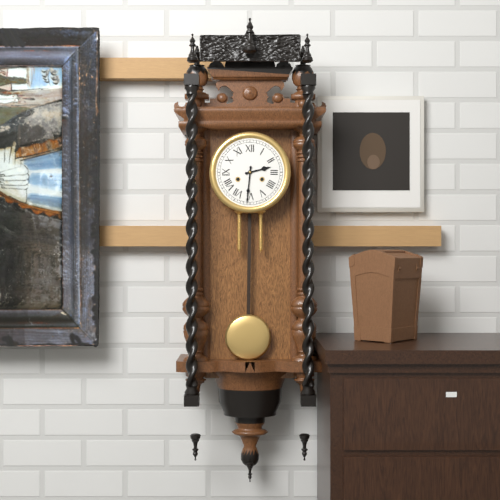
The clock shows **2:31**
